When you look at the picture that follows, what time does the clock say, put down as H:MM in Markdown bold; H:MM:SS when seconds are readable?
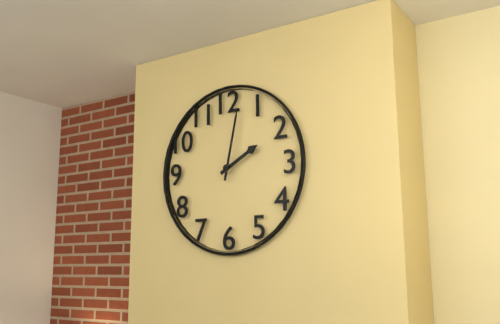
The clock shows **2:02**
